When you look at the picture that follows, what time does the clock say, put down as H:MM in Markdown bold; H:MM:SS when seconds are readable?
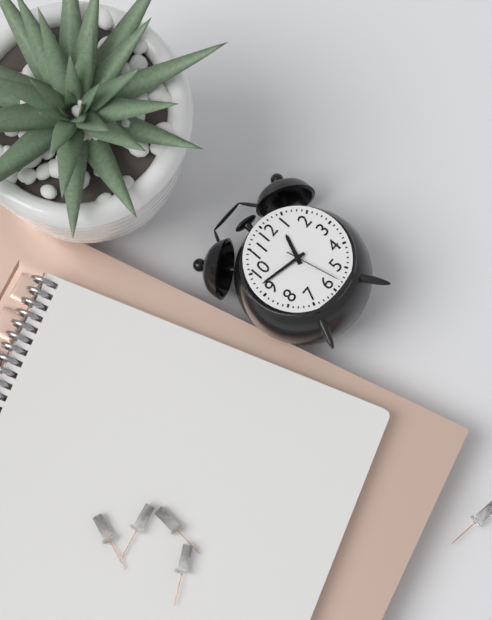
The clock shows **12:47:28**
